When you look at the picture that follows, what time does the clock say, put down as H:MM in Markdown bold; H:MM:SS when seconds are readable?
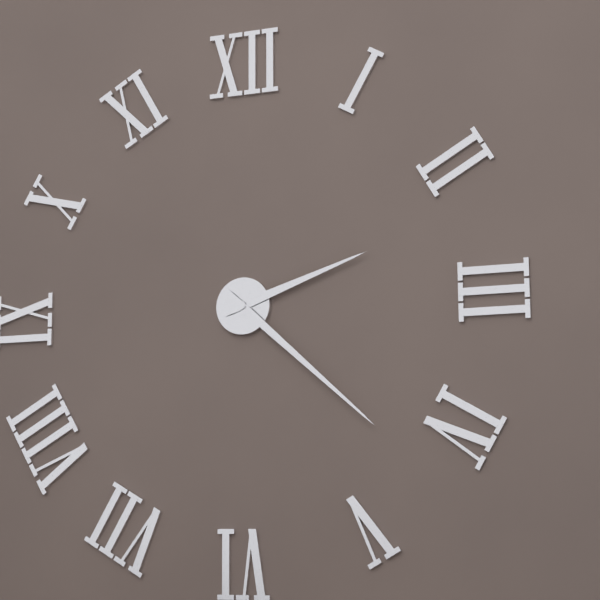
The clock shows **2:22**
